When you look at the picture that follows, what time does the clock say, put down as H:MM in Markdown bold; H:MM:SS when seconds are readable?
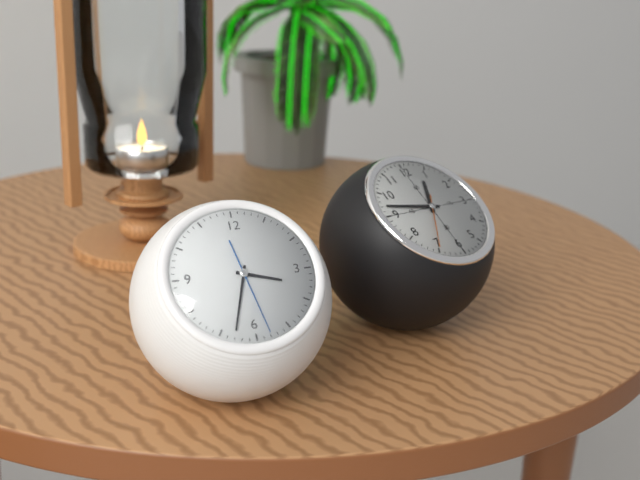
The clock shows **3:33:28**
